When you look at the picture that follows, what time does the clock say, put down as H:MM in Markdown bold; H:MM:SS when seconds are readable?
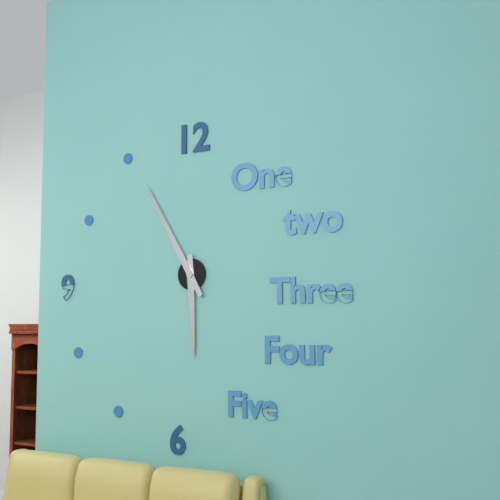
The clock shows **5:55**
